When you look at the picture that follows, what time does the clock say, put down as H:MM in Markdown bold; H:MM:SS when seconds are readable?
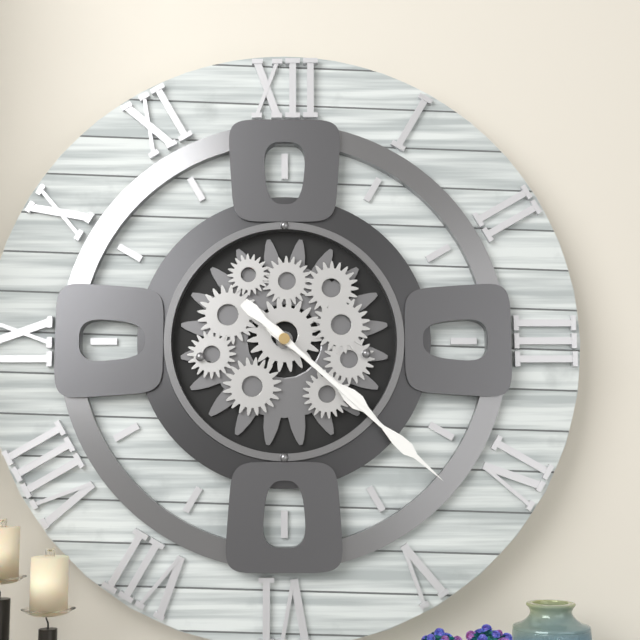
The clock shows **4:22**
